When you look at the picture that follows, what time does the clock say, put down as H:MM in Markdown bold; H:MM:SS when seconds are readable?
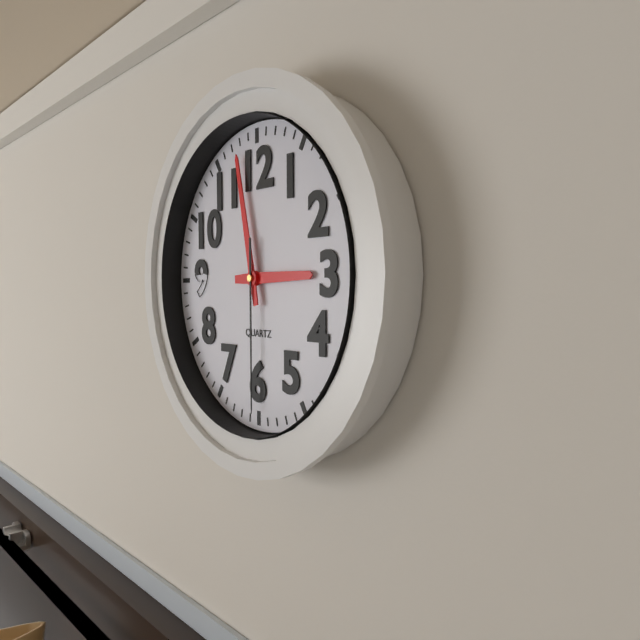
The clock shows **2:58:30**
